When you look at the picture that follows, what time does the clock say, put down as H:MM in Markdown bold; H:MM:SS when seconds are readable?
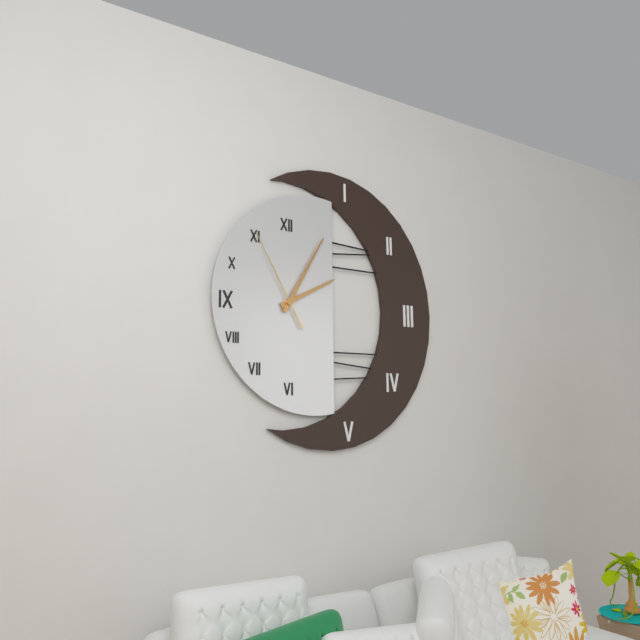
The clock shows **2:05:55**
